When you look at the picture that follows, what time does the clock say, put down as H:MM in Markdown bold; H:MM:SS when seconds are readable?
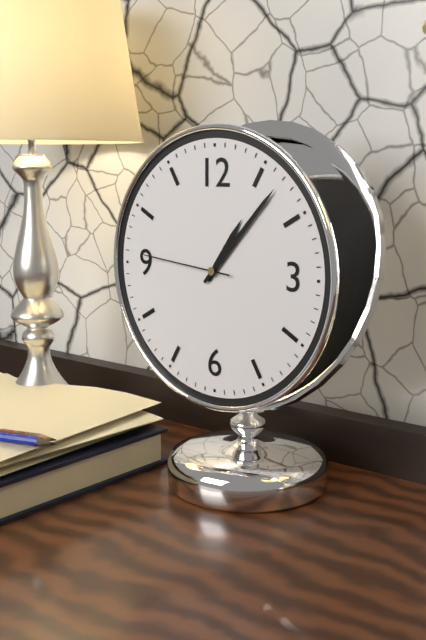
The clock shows **1:07:46**
